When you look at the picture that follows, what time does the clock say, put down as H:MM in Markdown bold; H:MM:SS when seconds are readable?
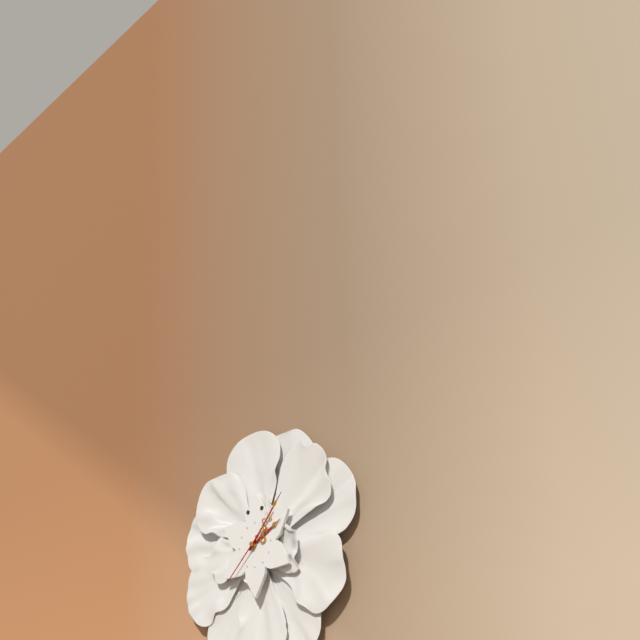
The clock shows **2:07:38**
